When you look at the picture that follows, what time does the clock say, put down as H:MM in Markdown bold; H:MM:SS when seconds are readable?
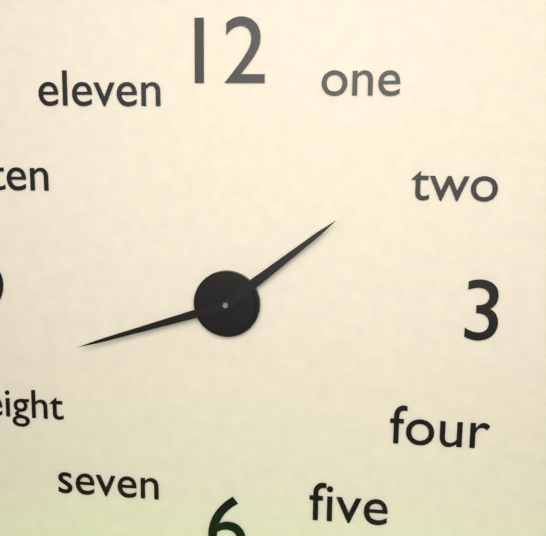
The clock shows **1:42**
